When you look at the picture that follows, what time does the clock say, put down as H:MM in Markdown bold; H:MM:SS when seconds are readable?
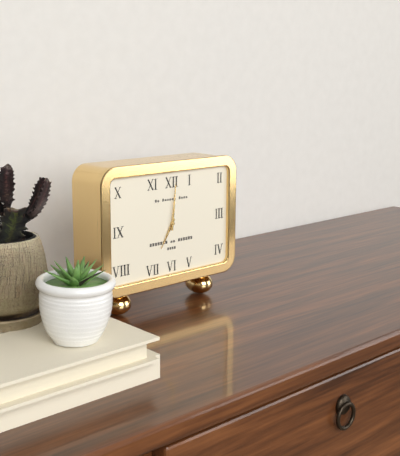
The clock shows **7:01**
